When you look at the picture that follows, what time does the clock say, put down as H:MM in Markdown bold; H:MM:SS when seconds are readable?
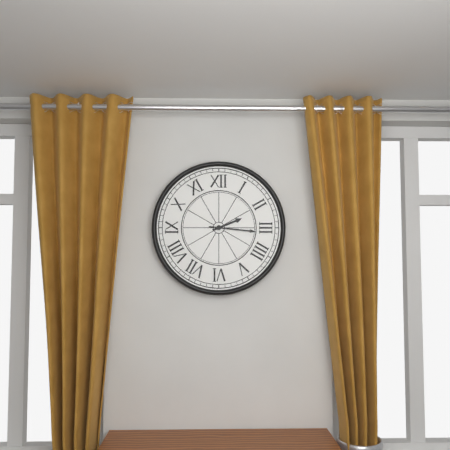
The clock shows **2:16**
